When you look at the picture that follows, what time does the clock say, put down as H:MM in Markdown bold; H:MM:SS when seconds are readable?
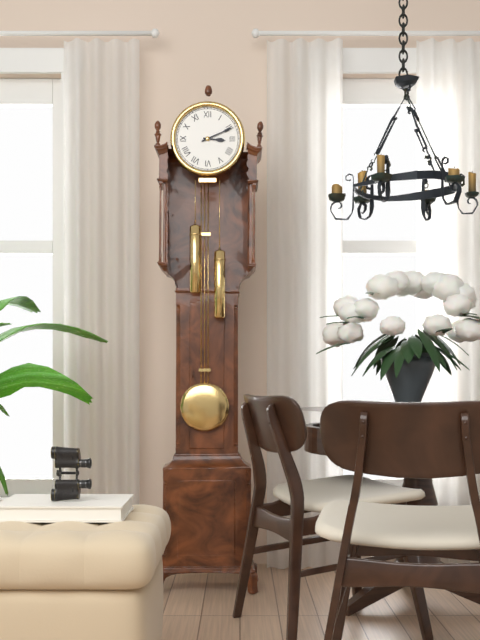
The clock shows **3:11**
